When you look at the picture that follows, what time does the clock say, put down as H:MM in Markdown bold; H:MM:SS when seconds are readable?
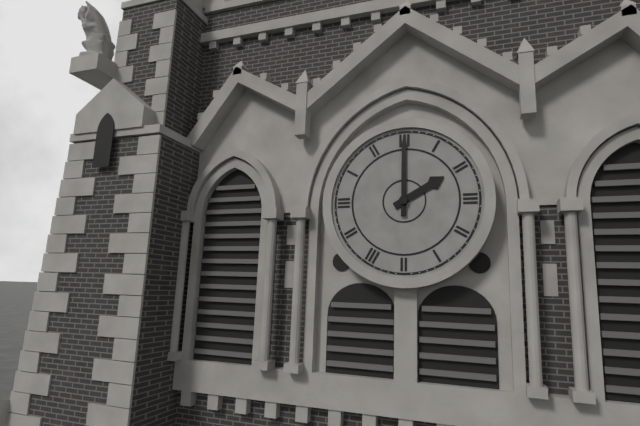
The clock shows **2:00**
